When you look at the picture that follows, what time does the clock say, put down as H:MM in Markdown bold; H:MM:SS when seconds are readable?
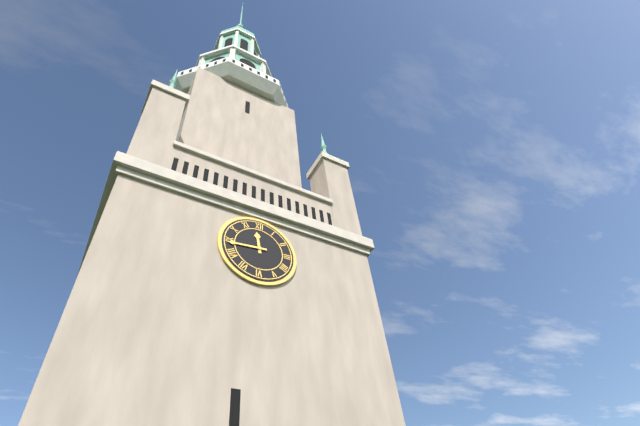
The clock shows **11:44**
